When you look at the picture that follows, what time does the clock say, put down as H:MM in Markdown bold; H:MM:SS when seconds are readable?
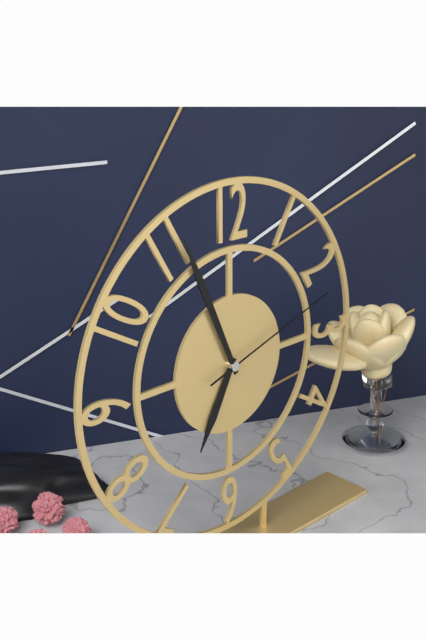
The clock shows **6:56:12**
